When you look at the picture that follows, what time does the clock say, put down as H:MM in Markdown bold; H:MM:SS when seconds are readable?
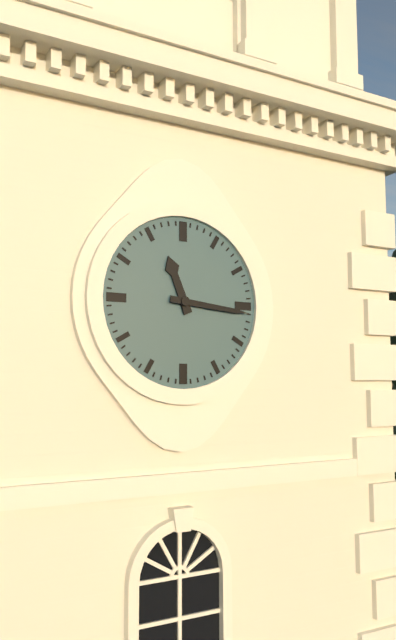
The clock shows **11:16**
